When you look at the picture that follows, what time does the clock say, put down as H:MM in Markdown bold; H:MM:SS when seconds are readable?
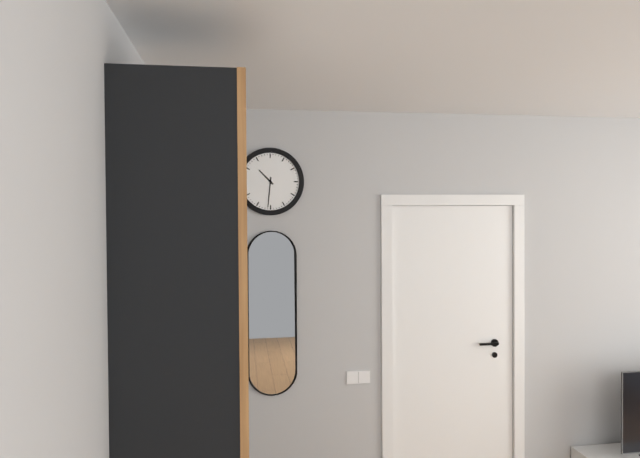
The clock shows **10:31**
